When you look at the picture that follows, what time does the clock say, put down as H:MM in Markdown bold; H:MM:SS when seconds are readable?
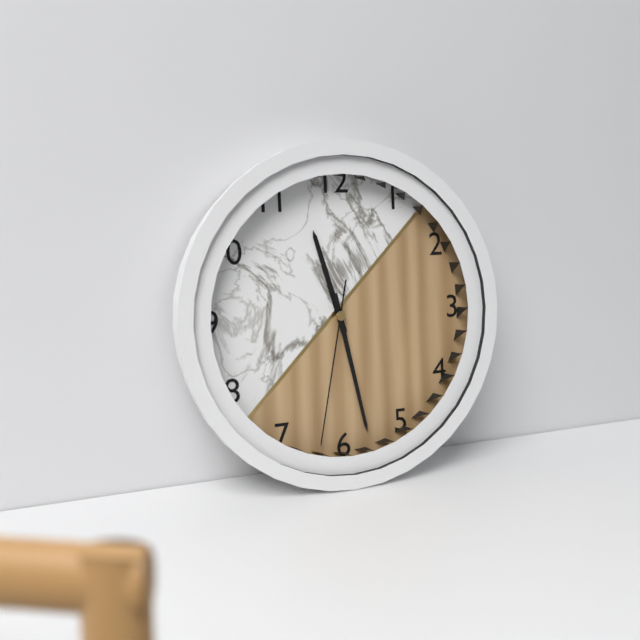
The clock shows **11:28:32**
